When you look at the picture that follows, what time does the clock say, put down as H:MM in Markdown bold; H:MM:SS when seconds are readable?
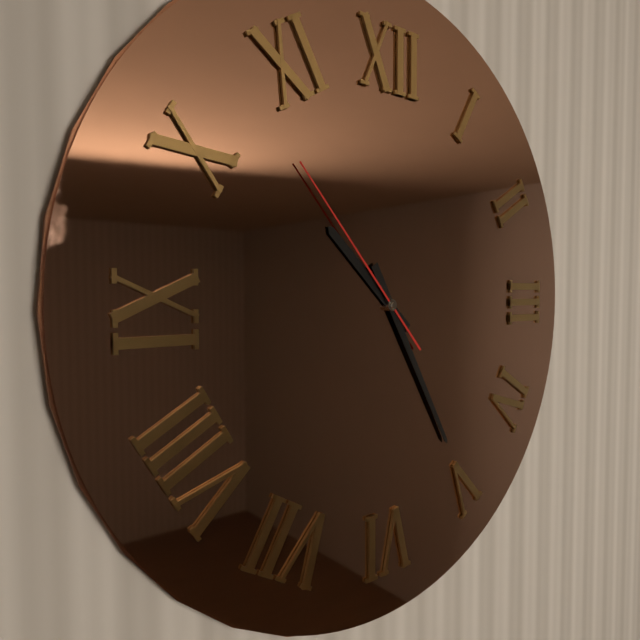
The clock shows **10:25:53**
